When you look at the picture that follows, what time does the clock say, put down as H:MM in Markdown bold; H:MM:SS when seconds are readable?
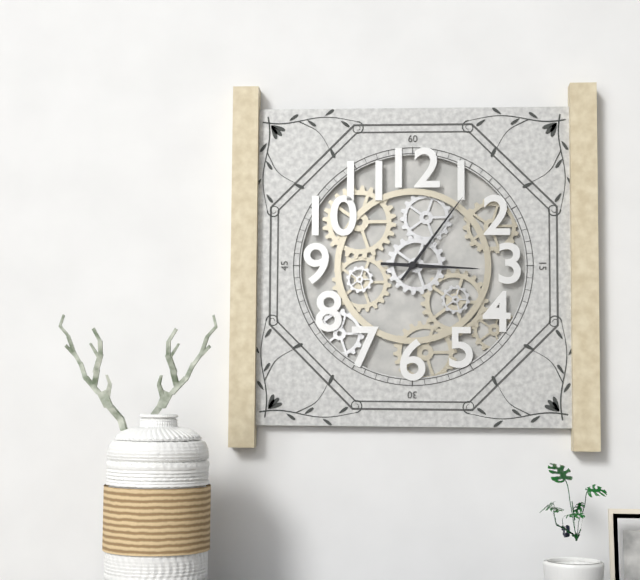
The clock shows **3:06**
